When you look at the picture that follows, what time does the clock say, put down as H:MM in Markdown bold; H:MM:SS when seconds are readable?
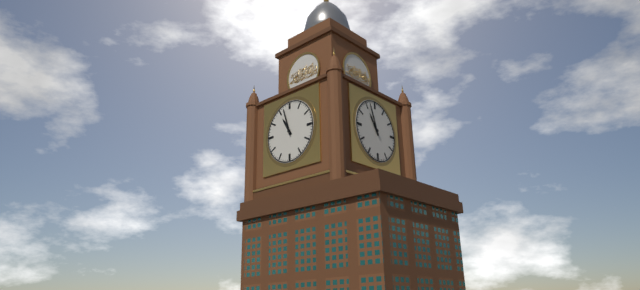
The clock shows **10:57**
